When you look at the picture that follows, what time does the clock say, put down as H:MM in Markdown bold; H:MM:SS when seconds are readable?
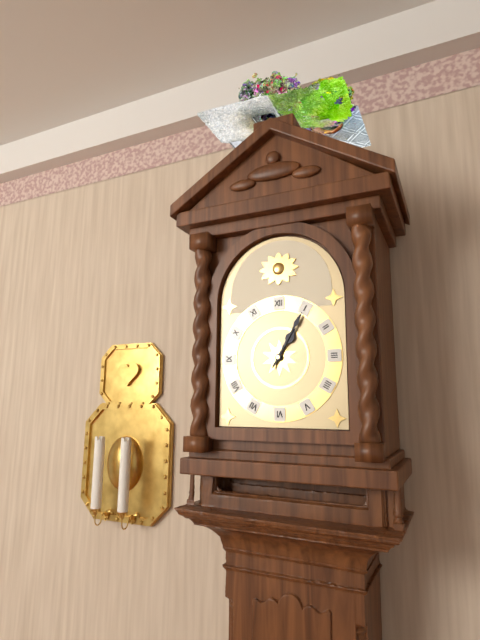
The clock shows **1:05**
